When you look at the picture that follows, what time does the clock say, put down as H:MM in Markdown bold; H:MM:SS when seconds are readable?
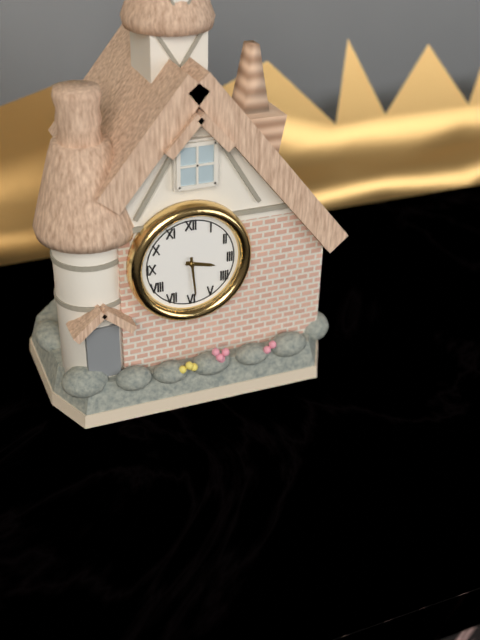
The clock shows **3:29**
